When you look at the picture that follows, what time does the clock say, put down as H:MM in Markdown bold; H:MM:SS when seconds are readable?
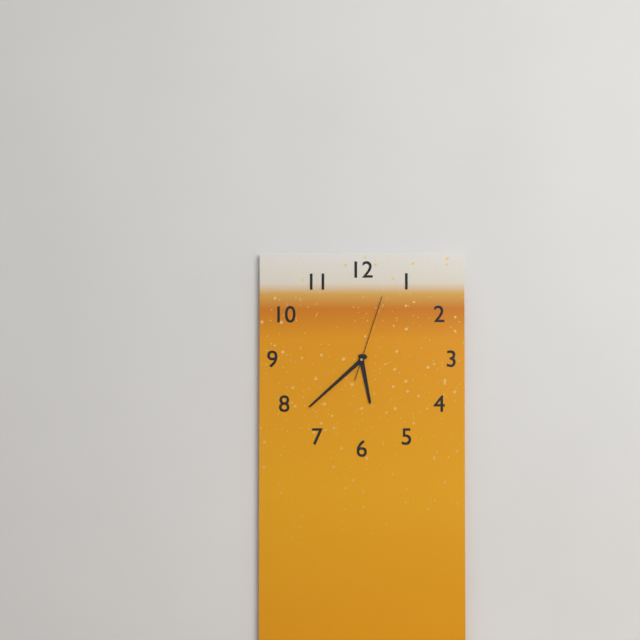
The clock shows **5:38:03**
